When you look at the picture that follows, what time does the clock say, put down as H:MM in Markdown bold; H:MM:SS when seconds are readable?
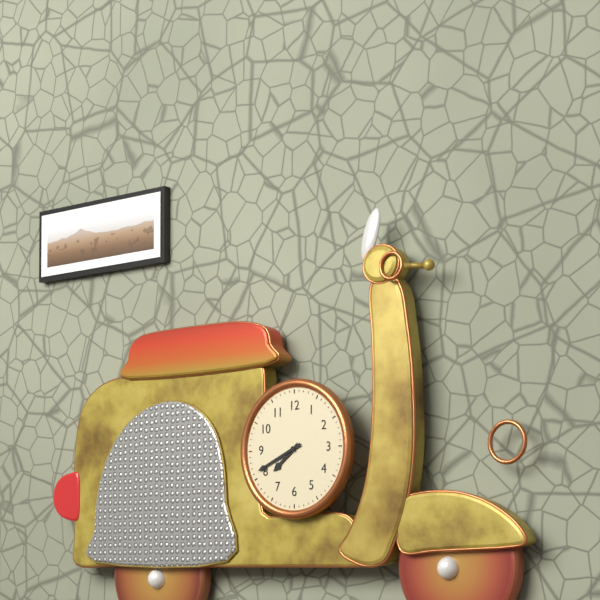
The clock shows **7:41**
